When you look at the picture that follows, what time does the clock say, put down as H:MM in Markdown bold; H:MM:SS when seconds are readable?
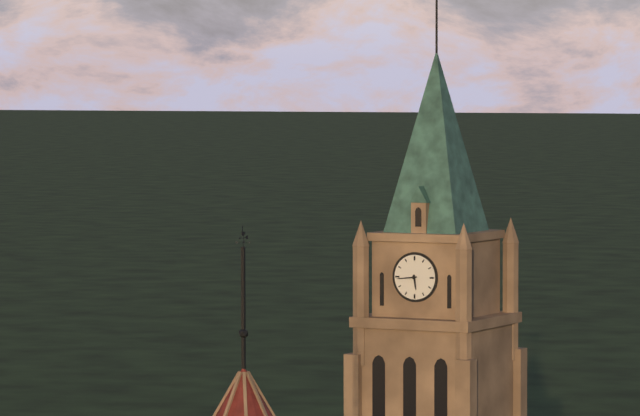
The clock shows **5:44**
